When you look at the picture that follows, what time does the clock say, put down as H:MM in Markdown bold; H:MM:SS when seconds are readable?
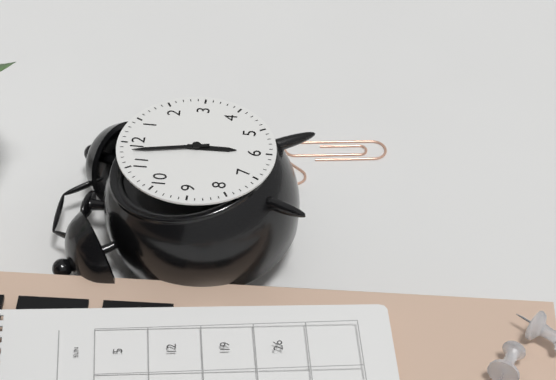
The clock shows **5:58**
